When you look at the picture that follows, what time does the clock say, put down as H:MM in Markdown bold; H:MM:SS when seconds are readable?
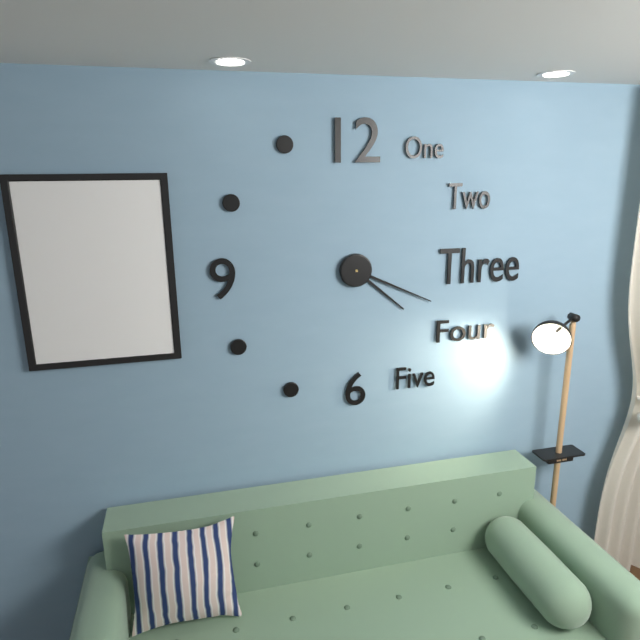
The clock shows **4:19**
